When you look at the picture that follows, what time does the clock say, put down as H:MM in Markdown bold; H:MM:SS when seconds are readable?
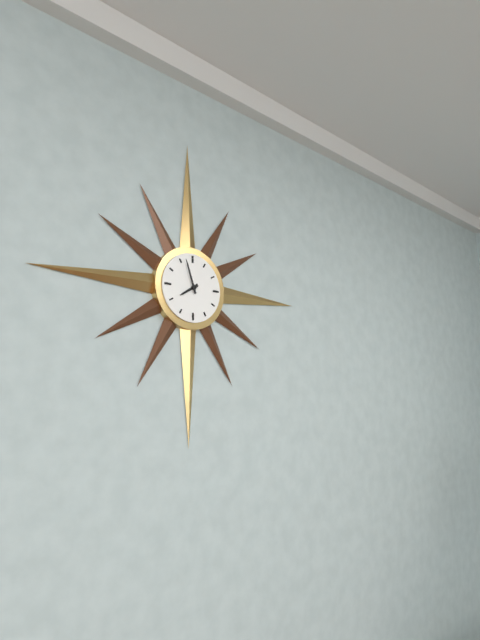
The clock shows **7:57**
